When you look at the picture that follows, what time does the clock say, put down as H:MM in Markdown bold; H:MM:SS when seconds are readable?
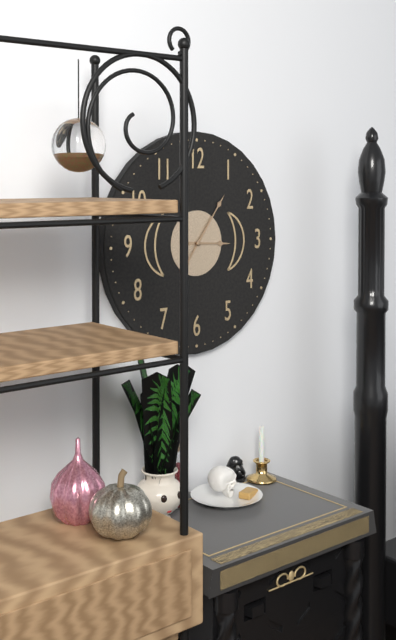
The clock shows **3:06**
